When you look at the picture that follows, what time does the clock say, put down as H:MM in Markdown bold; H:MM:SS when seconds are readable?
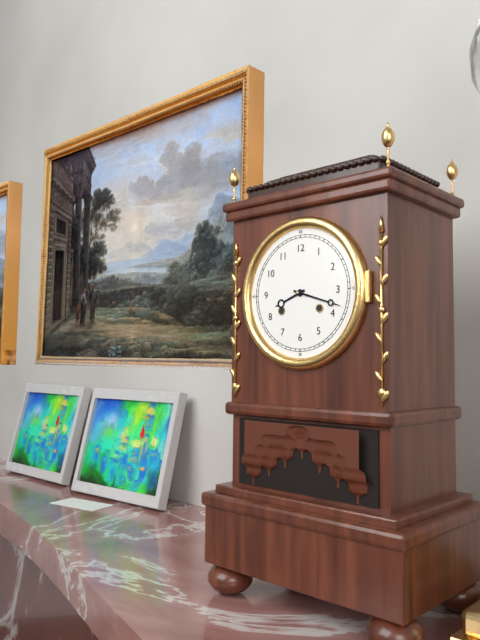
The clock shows **8:18**
